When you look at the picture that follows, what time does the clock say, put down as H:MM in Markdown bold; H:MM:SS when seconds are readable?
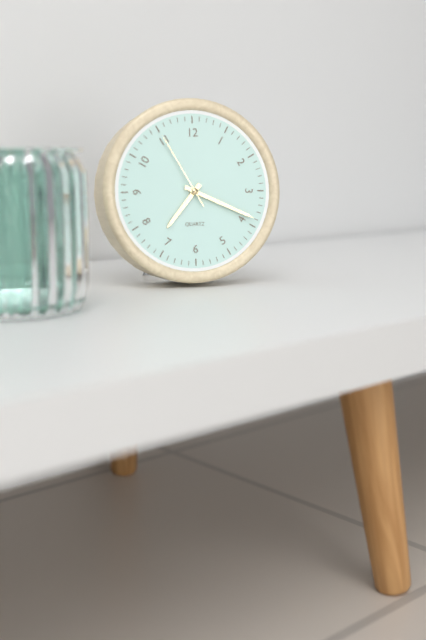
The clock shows **7:19:55**
